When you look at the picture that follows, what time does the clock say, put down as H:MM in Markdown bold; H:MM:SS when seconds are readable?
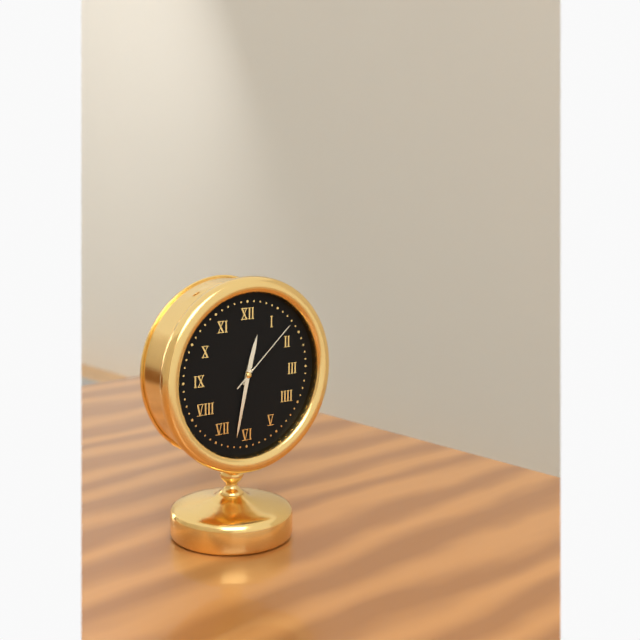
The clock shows **12:32:08**
